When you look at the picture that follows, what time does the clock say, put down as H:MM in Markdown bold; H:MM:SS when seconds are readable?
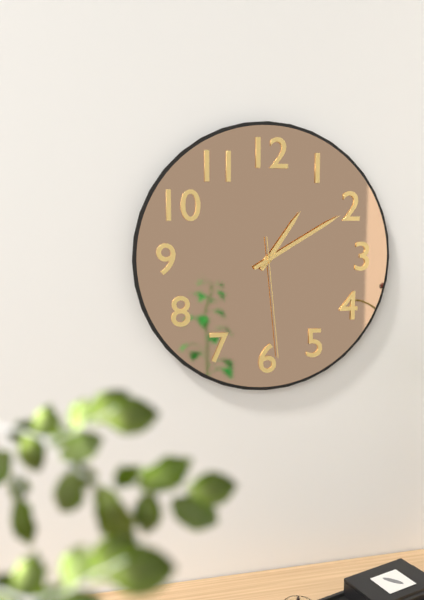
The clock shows **1:10:29**
